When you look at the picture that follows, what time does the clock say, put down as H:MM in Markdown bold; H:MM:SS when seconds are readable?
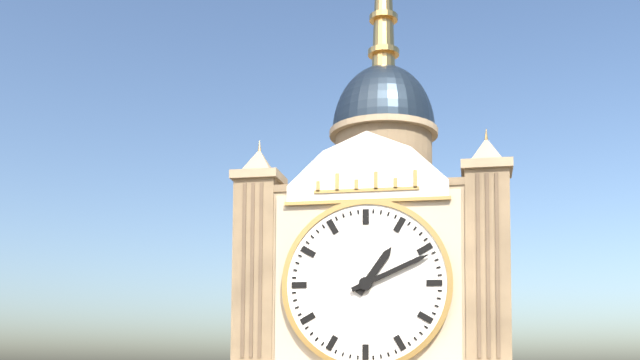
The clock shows **1:11**
